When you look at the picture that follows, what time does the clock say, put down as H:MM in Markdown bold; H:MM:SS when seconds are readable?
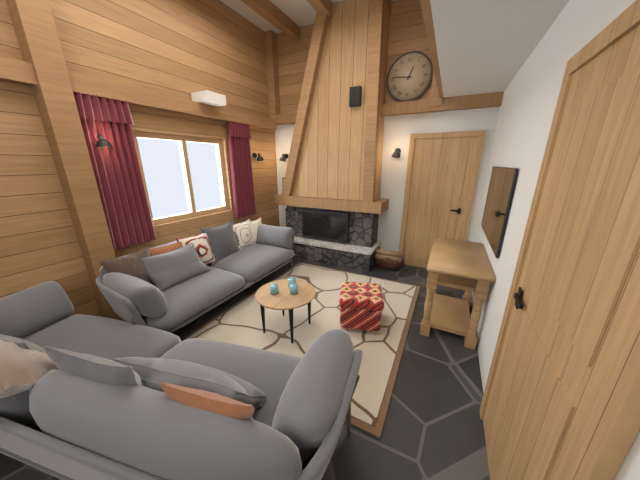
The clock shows **12:46**
